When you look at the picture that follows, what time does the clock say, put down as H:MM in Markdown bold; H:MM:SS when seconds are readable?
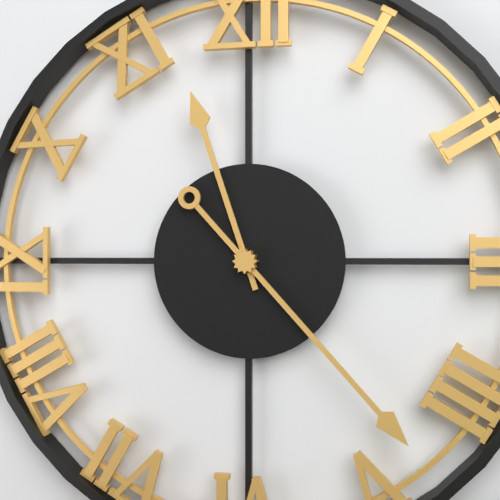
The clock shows **11:23**
